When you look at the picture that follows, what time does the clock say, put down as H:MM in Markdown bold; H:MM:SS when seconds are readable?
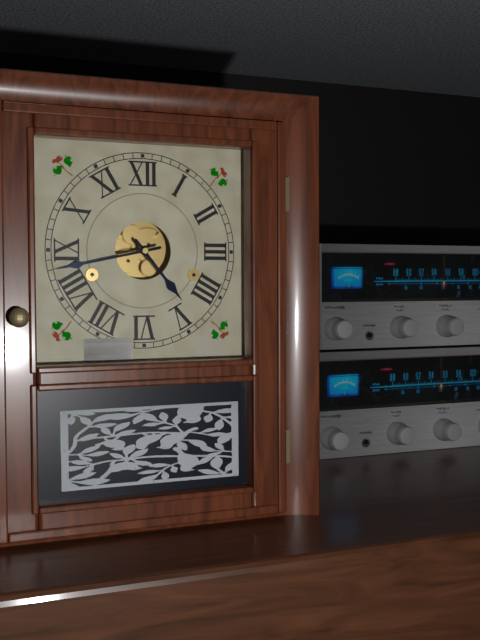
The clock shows **4:43**
